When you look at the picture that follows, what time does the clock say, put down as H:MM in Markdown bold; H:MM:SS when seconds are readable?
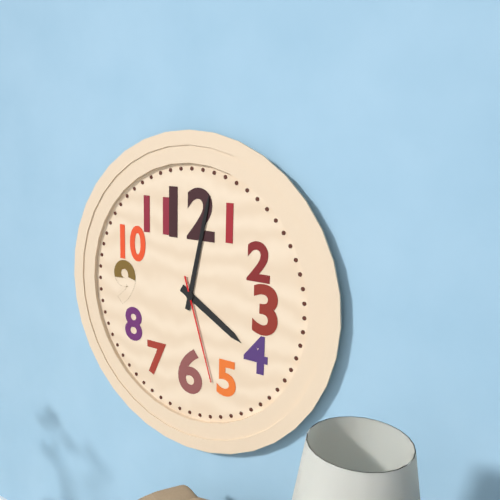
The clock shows **4:02:27**
